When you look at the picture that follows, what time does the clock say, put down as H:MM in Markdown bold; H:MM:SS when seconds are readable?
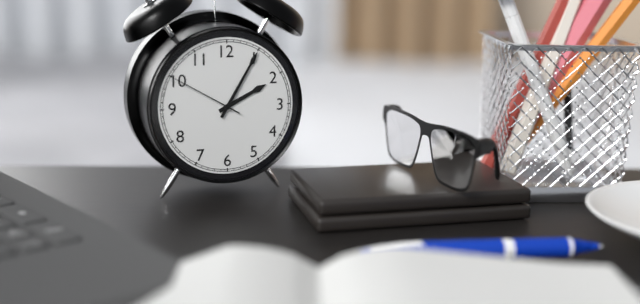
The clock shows **2:05:50**
